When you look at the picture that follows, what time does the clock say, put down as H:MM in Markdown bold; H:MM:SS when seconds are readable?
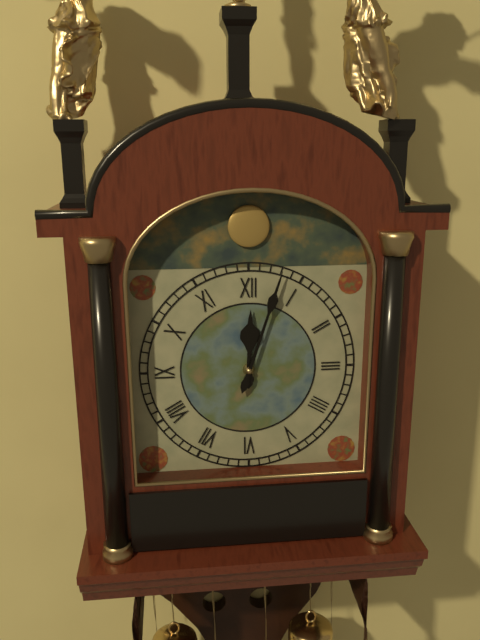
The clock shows **12:03**
